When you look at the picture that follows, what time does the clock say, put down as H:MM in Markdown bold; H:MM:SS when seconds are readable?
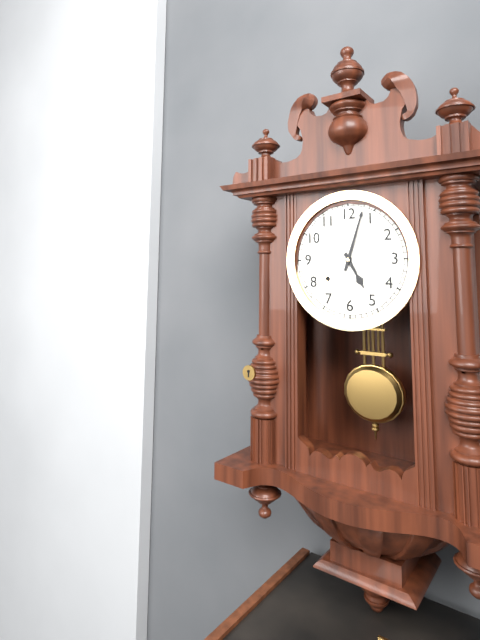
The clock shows **5:03**
